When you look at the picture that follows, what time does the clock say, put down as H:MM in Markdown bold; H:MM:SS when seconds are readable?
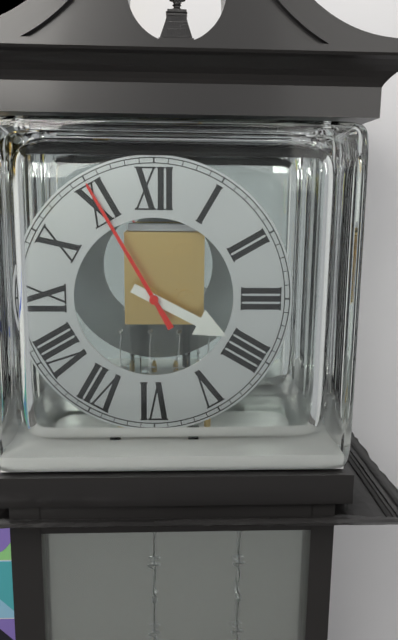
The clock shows **3:55**
